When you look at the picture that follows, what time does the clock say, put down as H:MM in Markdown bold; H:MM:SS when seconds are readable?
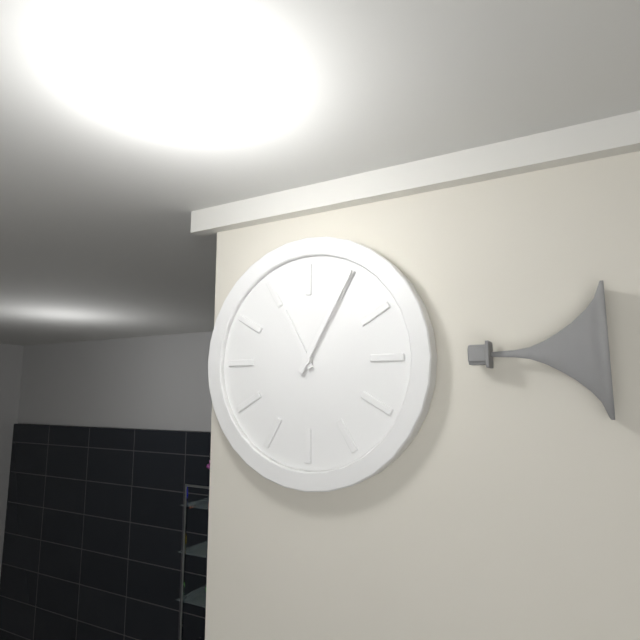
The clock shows **11:05**
